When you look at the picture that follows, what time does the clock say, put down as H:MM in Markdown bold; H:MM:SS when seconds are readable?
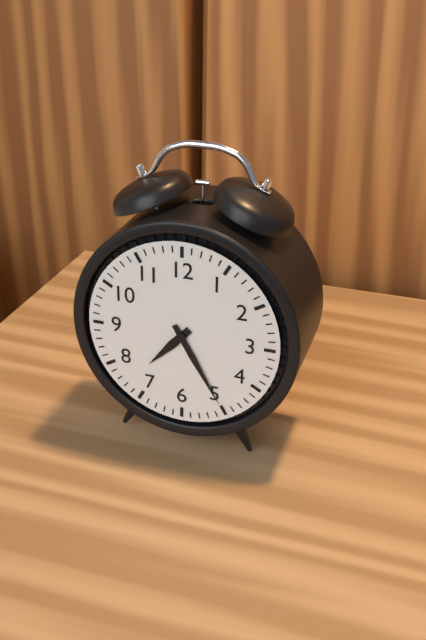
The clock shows **7:25**
